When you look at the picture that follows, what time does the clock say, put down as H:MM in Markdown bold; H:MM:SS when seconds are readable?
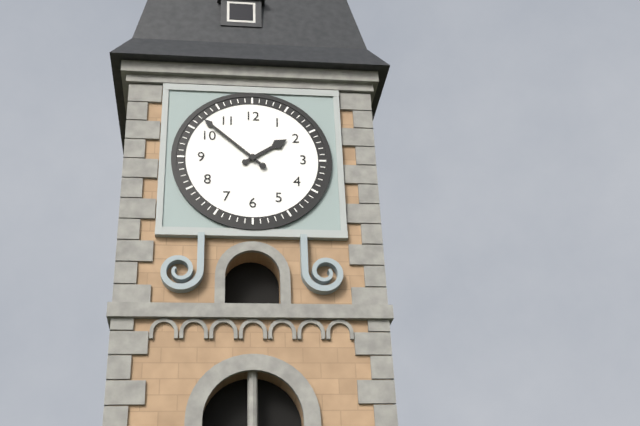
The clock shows **1:52**
